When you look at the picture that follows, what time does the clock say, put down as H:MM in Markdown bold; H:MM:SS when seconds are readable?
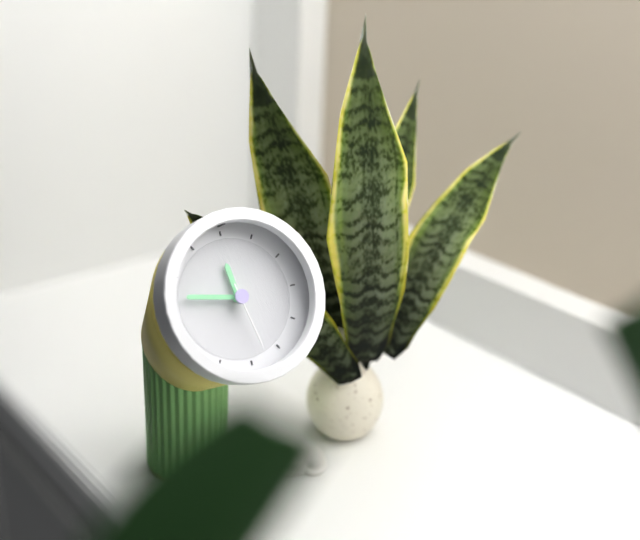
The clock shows **11:47:28**
